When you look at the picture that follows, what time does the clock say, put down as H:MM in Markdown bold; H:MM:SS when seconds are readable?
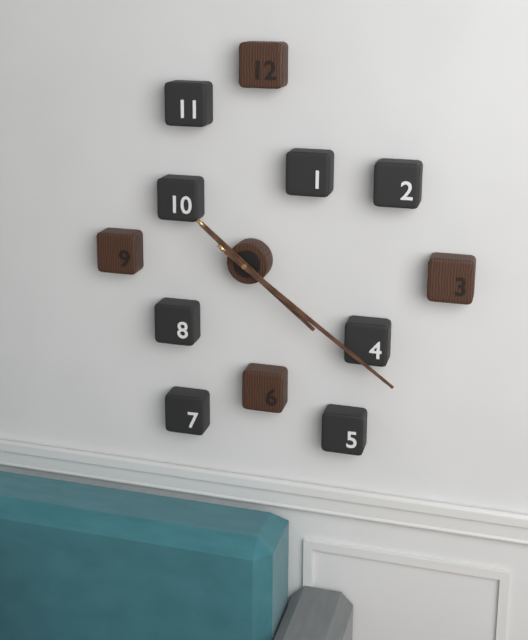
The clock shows **4:21**
